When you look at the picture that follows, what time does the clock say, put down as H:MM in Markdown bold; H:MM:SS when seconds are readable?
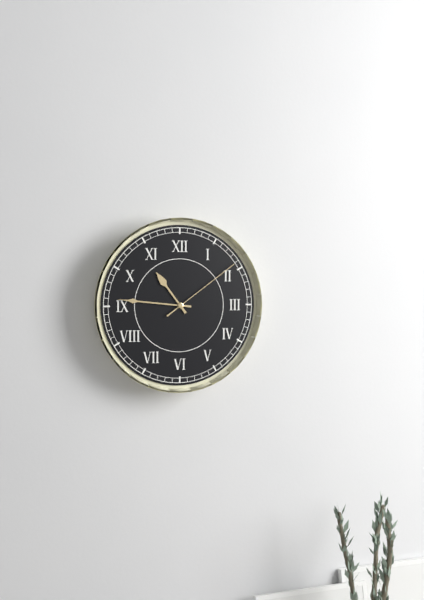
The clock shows **10:46:09**
